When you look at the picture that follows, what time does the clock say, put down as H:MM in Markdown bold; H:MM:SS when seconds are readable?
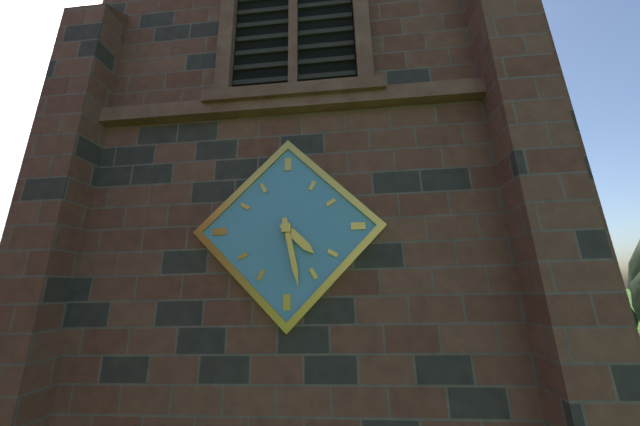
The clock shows **4:28**
